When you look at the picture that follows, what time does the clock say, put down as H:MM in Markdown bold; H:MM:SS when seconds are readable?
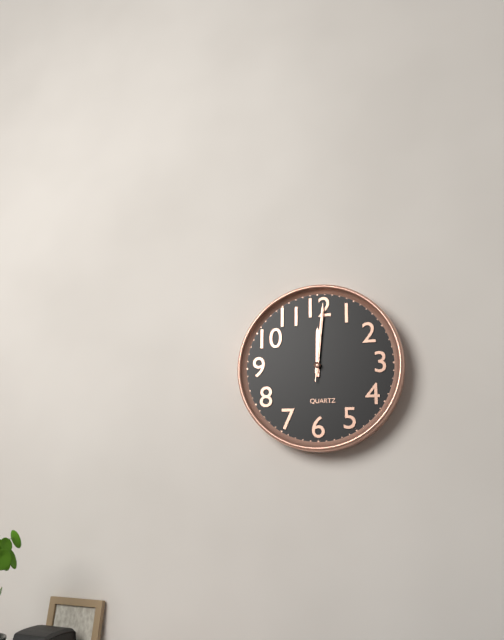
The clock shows **12:01:01**
